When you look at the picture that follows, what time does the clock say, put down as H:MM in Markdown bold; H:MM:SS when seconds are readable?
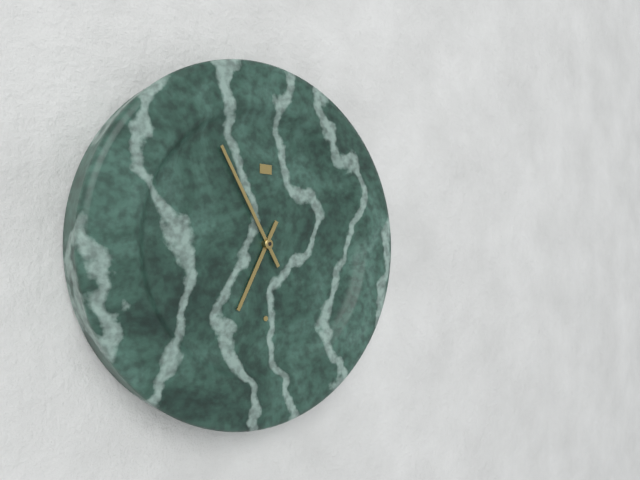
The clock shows **6:55**
